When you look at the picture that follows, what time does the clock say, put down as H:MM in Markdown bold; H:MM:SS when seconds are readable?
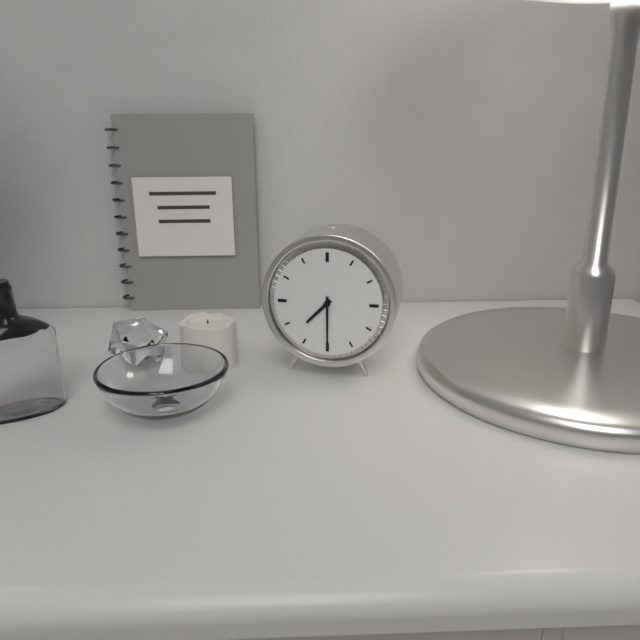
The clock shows **7:30**
